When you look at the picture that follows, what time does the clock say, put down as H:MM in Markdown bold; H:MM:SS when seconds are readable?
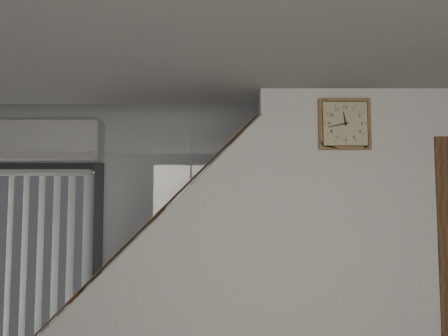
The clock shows **11:43**
